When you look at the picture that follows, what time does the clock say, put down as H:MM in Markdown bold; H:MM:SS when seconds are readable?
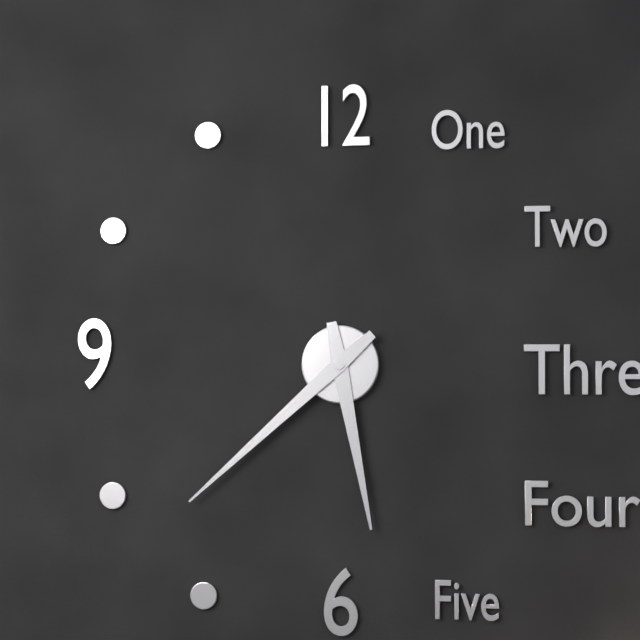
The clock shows **5:38**
